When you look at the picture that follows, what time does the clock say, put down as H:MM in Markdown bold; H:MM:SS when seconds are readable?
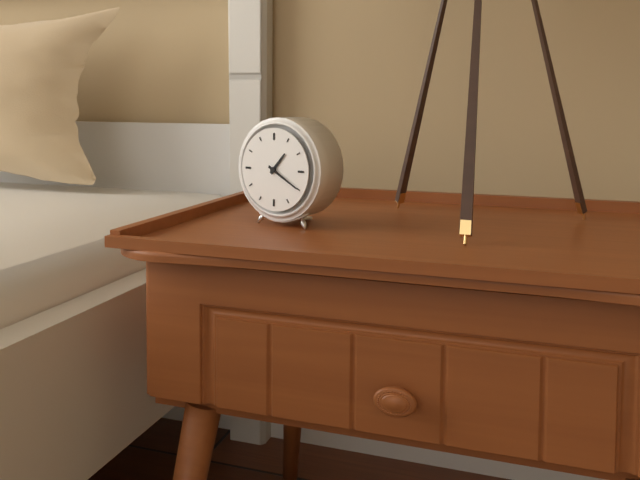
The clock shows **1:20**
